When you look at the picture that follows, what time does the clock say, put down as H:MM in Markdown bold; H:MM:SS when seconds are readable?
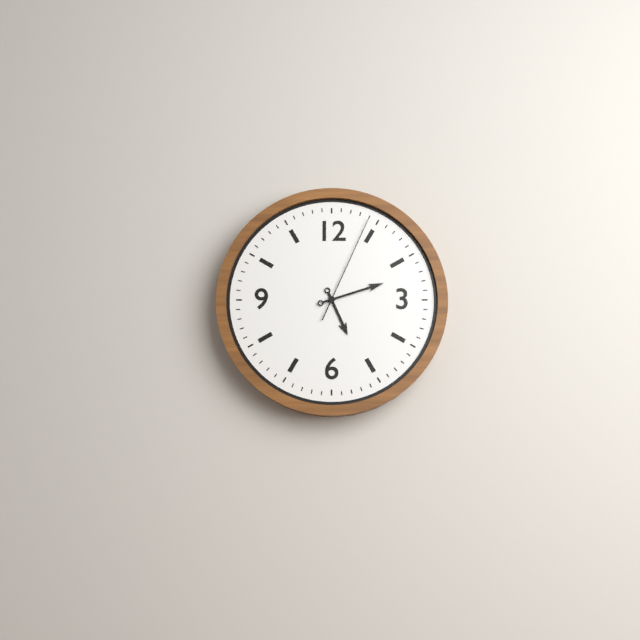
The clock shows **5:12:04**
